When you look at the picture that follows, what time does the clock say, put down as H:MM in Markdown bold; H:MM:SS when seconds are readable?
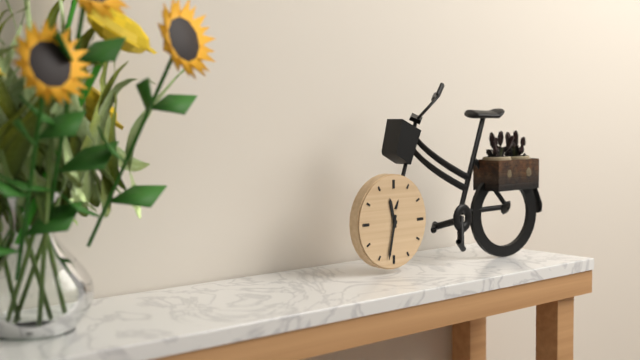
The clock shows **11:32**
